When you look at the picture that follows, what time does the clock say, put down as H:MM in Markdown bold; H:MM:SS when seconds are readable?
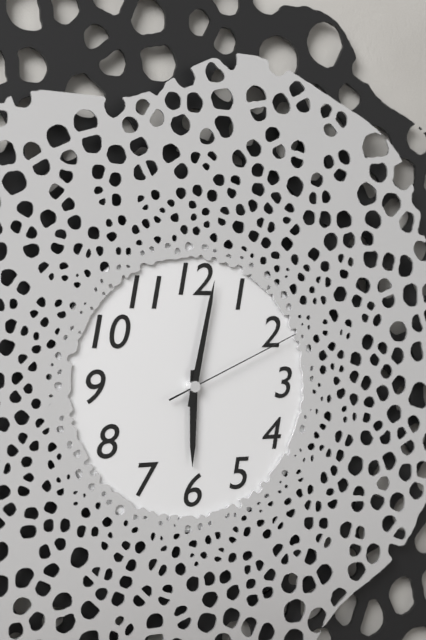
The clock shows **6:02:11**
